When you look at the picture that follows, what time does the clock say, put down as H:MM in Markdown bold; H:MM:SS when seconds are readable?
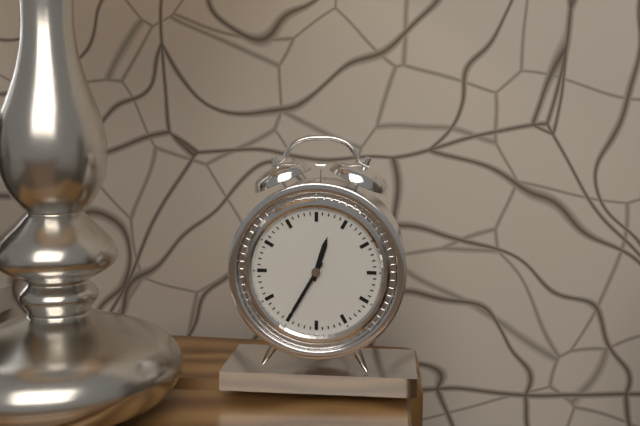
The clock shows **12:35**
